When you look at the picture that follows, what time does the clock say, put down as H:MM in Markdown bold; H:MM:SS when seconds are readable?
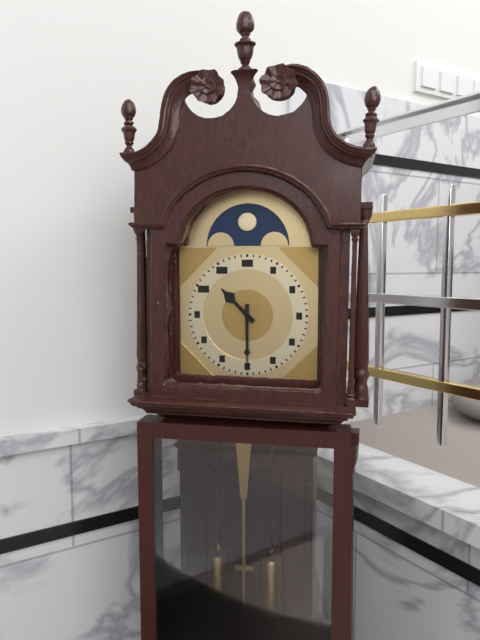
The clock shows **10:30**
